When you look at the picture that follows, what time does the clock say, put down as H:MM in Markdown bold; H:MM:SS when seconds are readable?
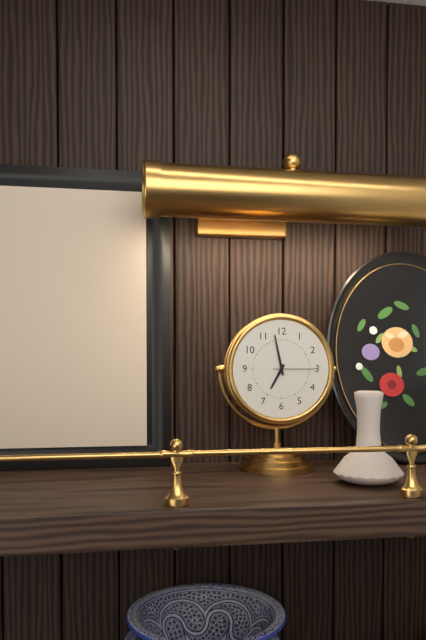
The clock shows **6:58**
